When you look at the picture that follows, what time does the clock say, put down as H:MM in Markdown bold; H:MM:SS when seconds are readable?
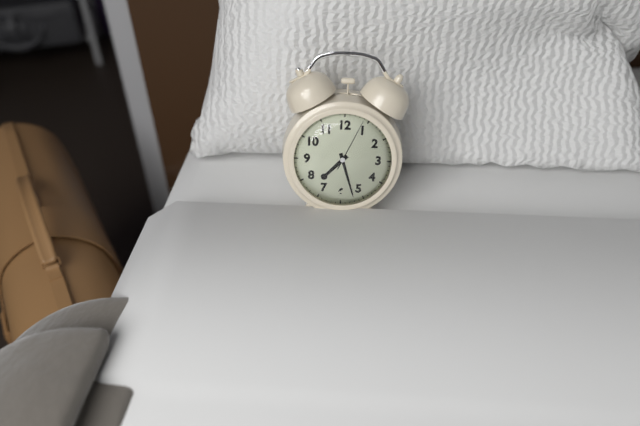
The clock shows **7:27:04**
